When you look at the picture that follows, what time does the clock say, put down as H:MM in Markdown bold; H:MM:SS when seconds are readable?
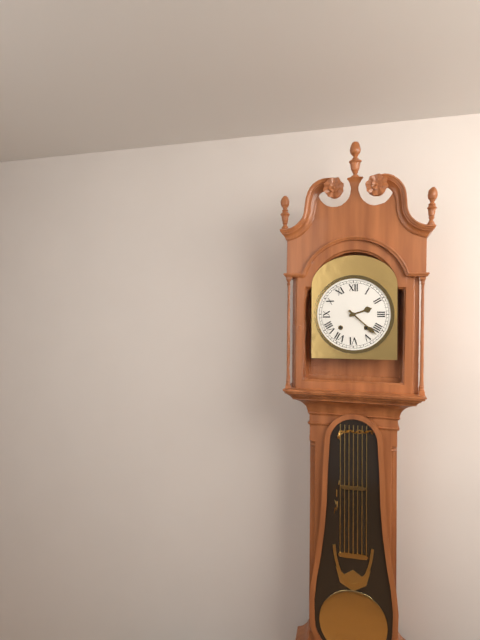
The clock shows **2:22**
